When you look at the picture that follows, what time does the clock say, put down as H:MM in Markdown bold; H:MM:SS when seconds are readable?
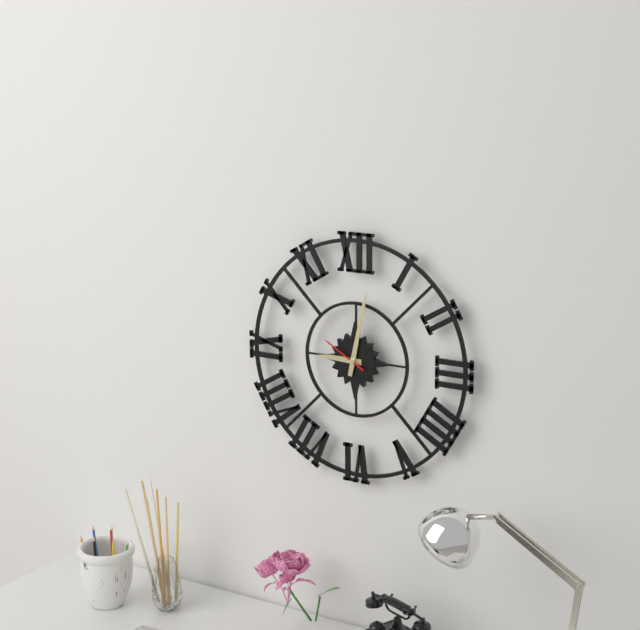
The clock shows **9:02**
